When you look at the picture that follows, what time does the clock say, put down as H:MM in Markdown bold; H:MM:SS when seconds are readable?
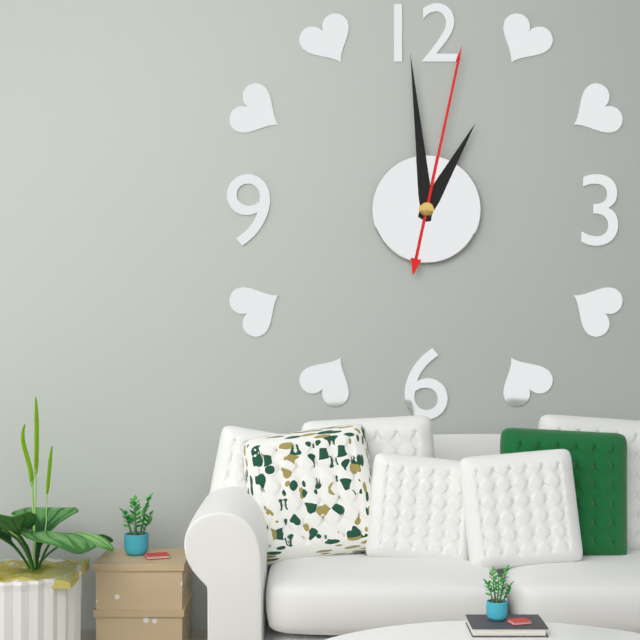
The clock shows **12:59:02**
